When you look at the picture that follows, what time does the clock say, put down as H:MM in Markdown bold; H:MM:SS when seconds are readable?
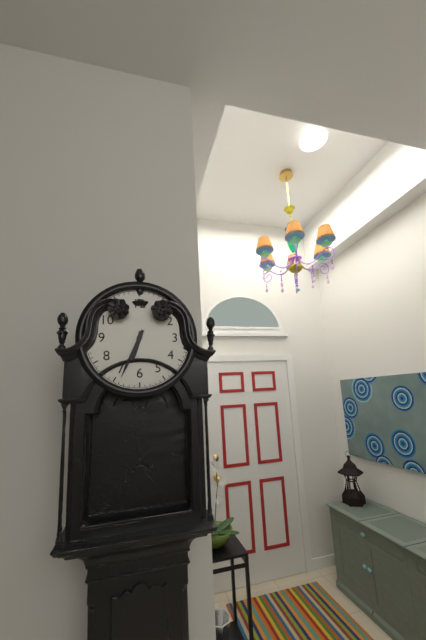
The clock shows **6:34**
